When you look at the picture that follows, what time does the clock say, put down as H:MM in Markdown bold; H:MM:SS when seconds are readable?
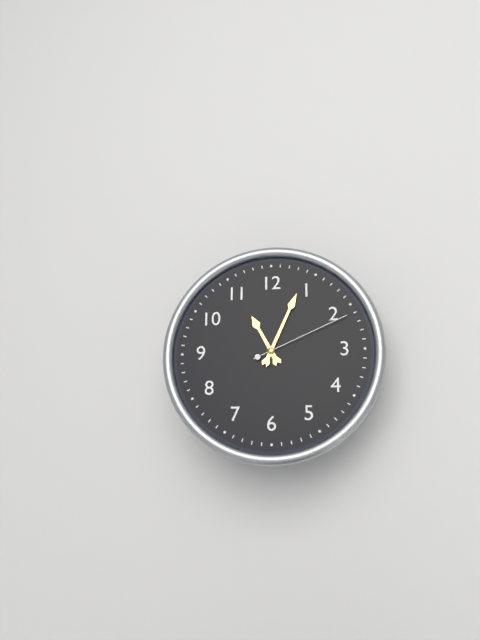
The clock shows **11:04:11**
